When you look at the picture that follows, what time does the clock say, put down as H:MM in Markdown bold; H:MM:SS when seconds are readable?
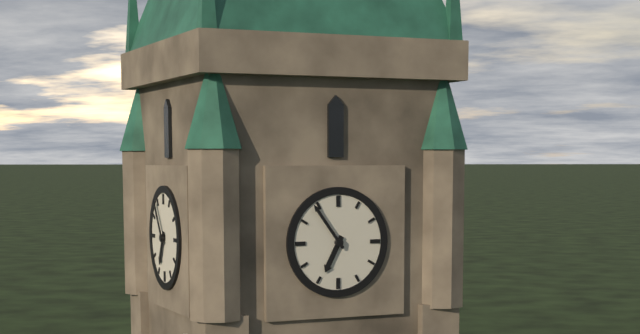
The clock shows **6:54**
